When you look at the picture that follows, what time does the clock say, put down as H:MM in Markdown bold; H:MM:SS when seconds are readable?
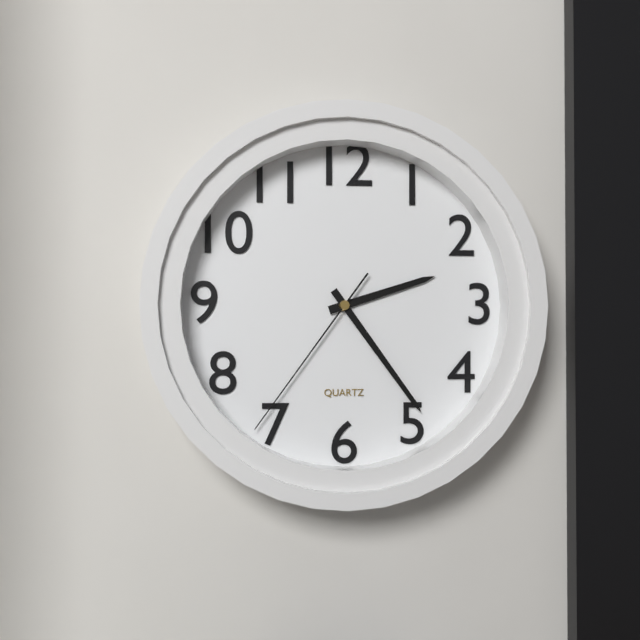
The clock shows **2:24:36**
